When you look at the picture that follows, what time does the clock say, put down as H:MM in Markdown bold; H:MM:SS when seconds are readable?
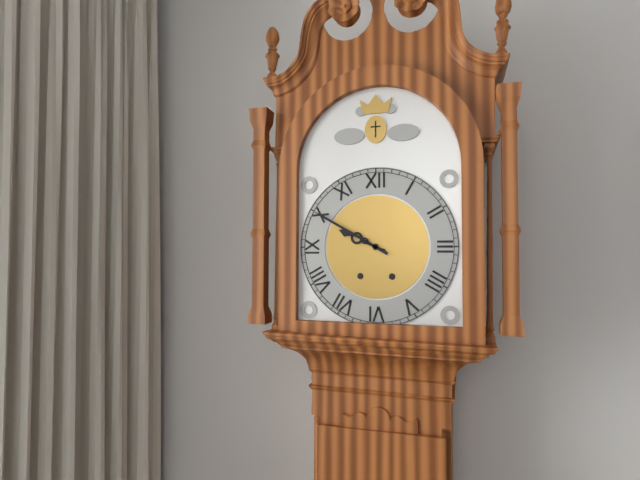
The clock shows **9:50**
